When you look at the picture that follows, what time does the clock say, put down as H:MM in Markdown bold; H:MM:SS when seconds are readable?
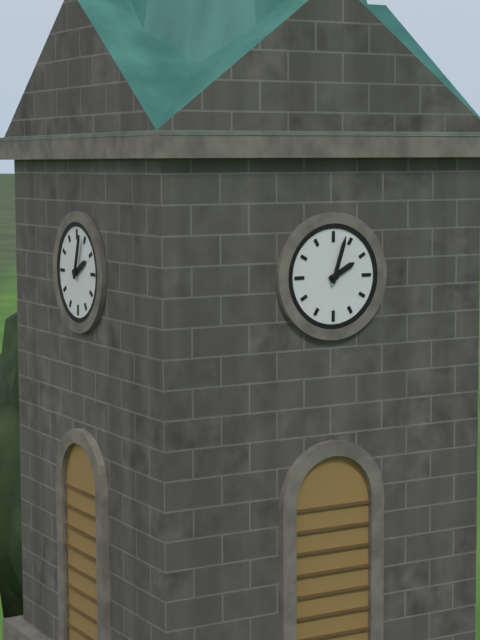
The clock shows **2:03**
